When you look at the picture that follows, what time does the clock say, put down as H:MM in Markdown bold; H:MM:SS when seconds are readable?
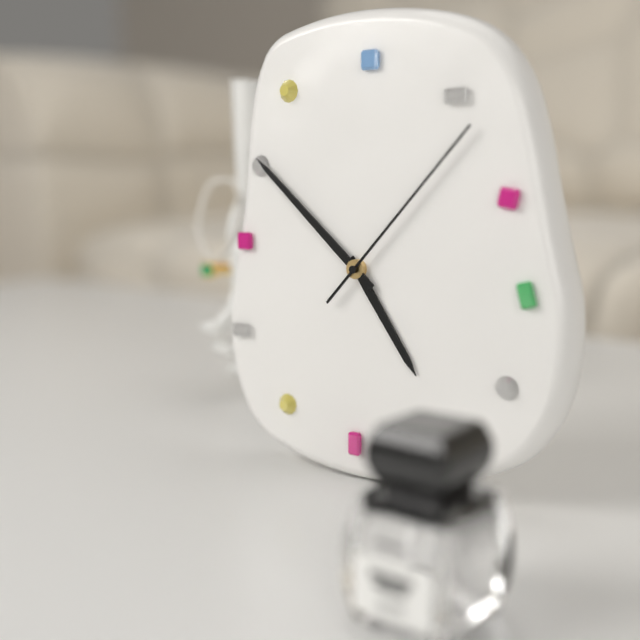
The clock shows **4:52:07**
